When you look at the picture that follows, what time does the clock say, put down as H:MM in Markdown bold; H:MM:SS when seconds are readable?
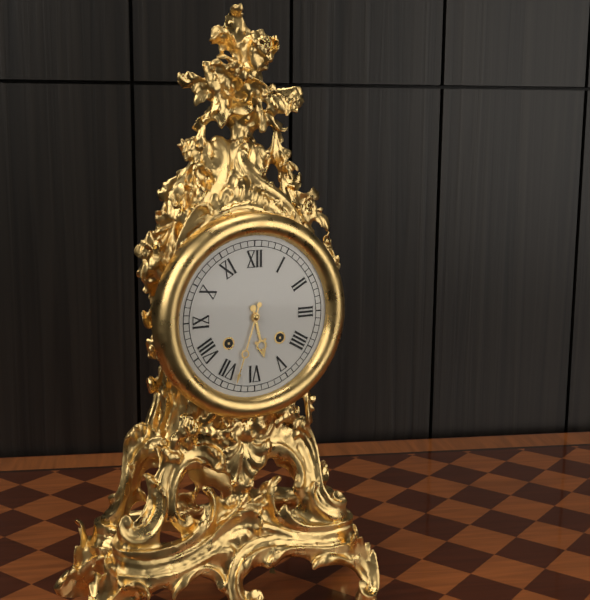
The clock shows **5:33**
